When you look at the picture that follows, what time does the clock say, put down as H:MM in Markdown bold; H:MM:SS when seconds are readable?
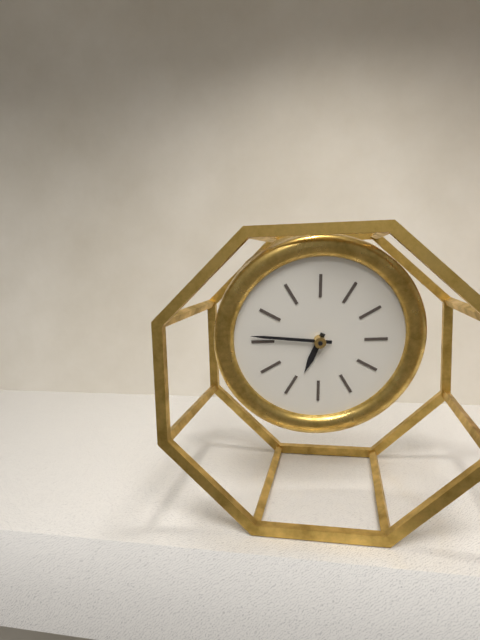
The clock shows **6:46**
